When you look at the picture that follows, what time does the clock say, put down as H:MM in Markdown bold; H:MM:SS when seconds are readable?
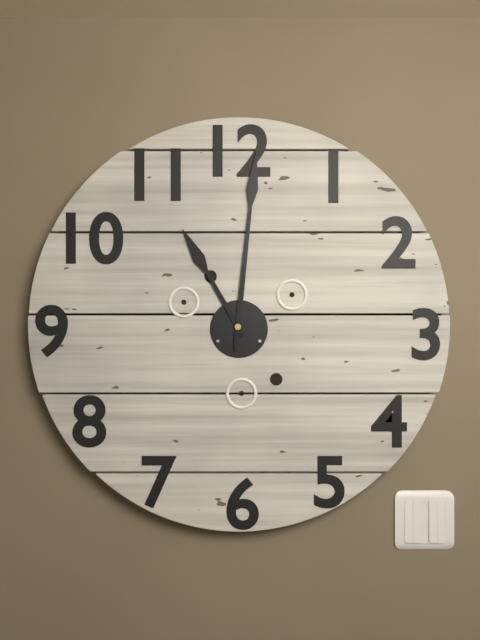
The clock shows **11:01**
